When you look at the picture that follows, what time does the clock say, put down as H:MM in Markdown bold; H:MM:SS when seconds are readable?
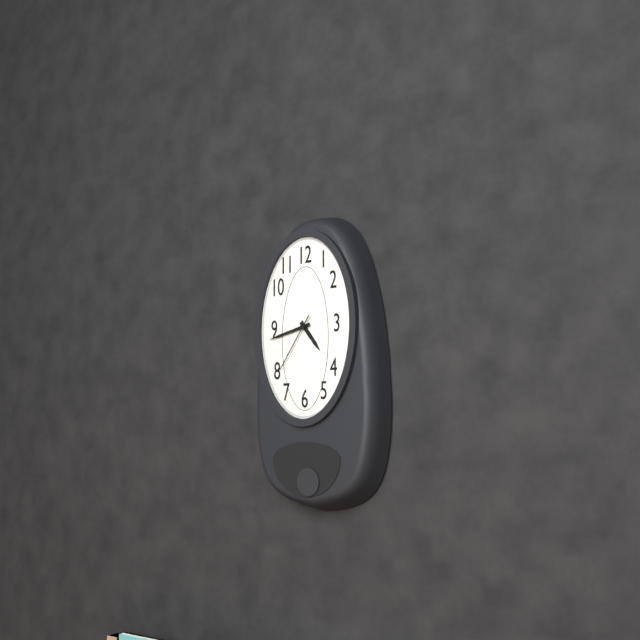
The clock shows **4:43:36**
